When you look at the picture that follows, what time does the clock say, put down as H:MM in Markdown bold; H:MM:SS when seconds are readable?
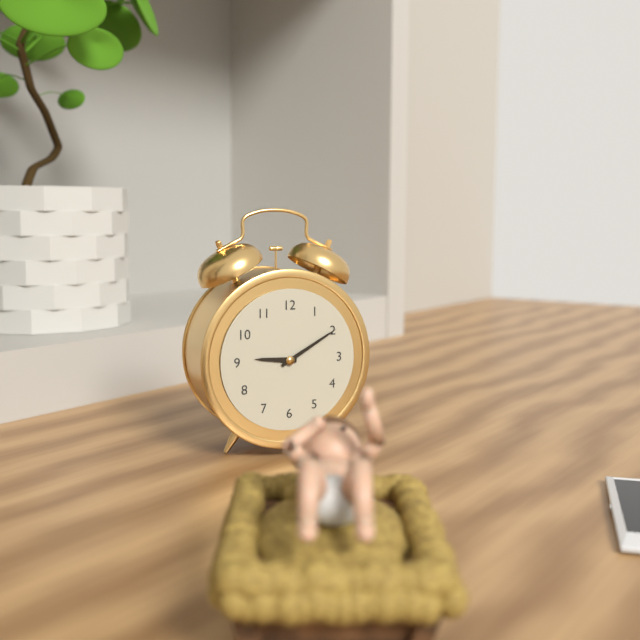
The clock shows **9:10**
